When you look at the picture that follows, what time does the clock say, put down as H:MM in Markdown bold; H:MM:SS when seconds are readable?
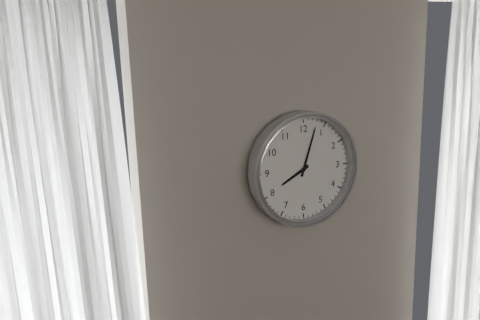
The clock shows **8:03**
